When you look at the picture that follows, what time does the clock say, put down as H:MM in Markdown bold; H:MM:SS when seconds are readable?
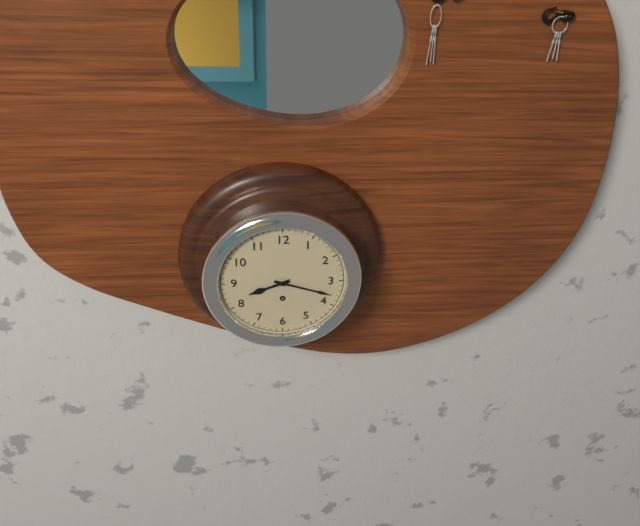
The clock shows **8:18**
